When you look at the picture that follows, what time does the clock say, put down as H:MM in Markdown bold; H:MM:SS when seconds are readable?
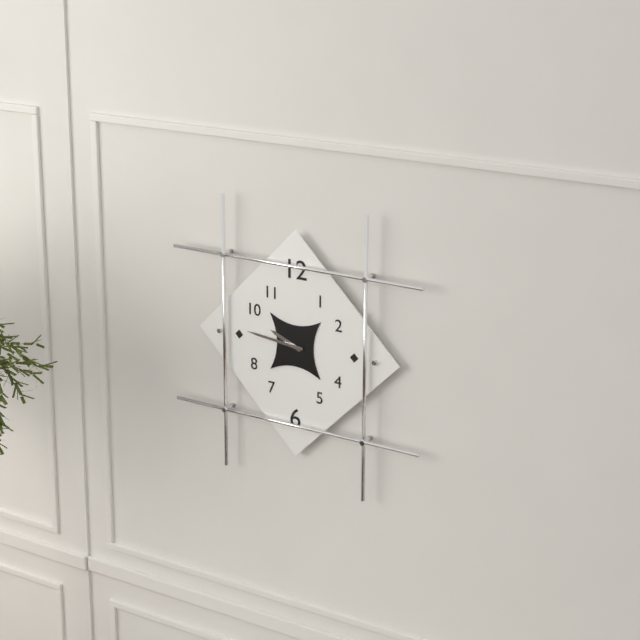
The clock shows **9:46**
